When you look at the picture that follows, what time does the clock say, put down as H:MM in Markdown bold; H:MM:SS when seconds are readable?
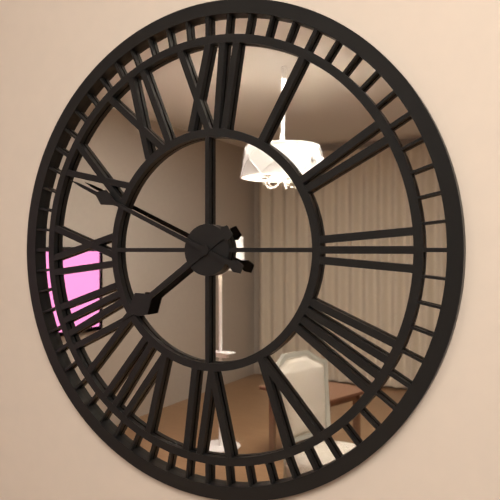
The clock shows **7:49**
